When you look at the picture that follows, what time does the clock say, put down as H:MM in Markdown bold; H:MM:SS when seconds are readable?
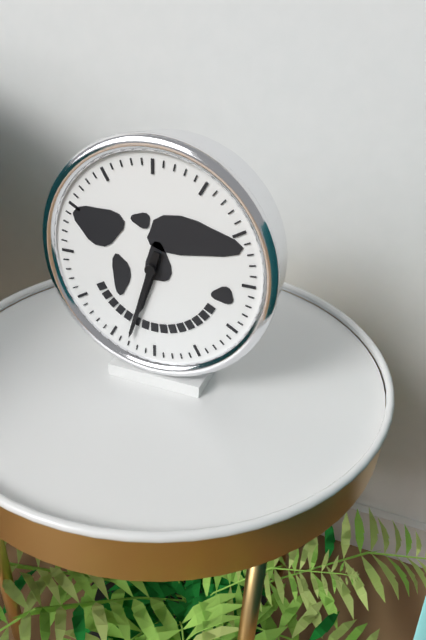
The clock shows **6:33**
